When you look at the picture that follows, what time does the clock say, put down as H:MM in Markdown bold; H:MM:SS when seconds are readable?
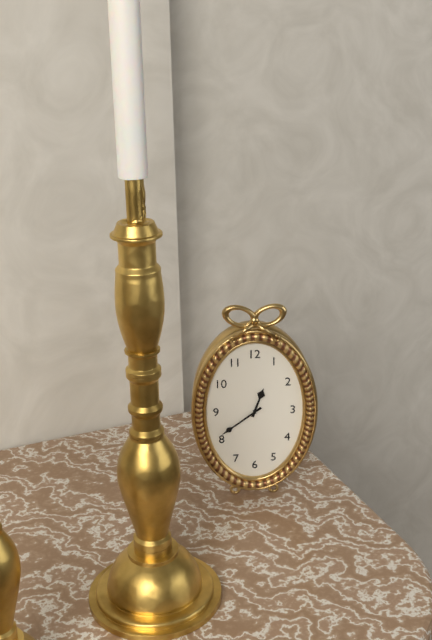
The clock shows **12:39**
